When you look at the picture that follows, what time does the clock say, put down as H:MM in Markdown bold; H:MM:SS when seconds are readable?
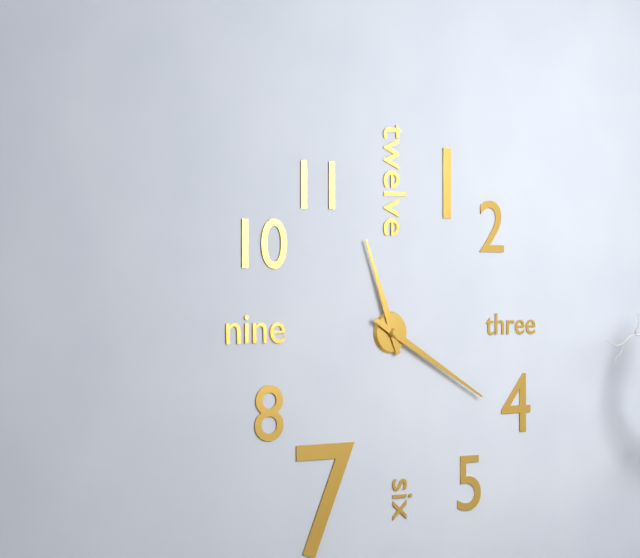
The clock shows **11:20**
